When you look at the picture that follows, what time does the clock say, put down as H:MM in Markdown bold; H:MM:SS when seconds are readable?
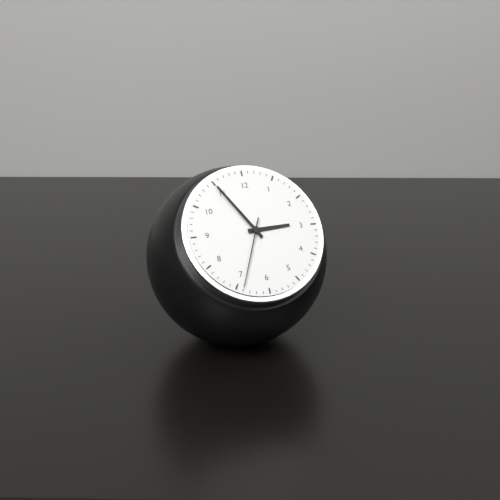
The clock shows **2:55:34**
